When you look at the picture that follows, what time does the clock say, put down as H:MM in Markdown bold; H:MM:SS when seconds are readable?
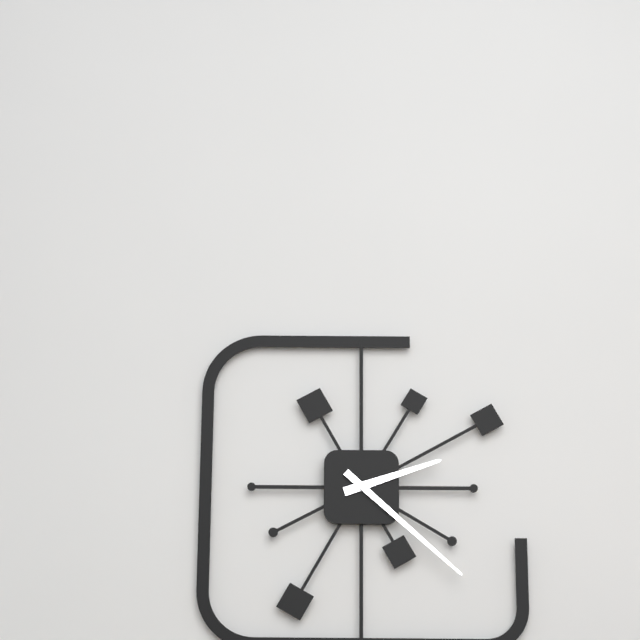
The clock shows **2:22**
